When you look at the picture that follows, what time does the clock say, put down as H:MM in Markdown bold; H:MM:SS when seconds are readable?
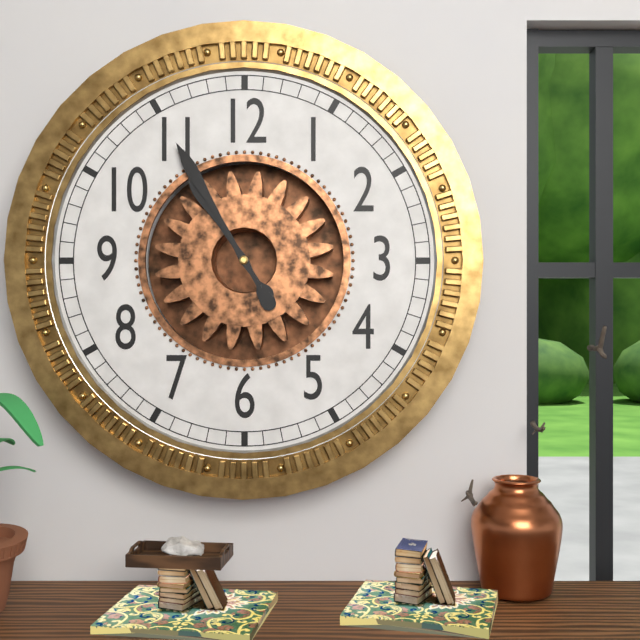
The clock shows **10:55**
